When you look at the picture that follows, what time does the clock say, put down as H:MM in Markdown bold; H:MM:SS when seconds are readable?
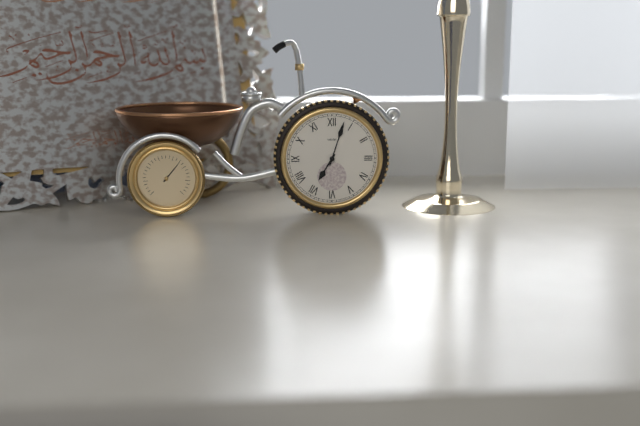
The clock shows **7:03**
